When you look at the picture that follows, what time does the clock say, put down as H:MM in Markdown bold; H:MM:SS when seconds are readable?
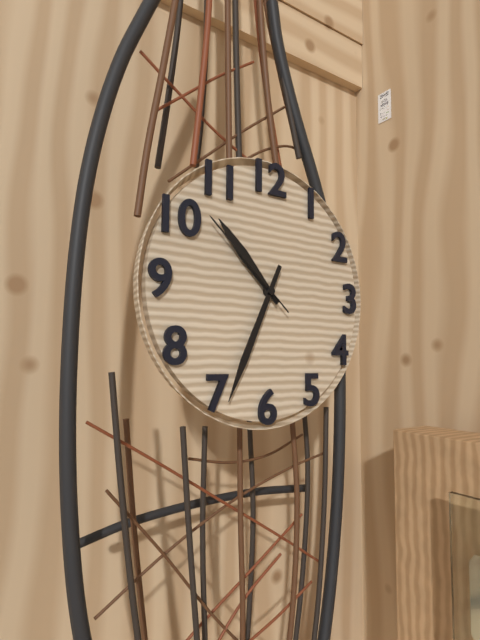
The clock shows **10:34:52**
